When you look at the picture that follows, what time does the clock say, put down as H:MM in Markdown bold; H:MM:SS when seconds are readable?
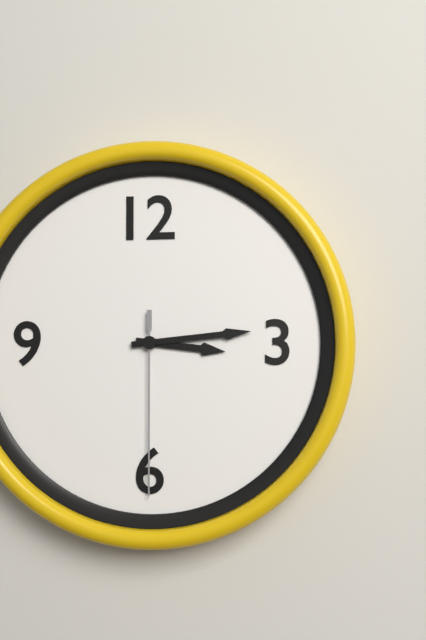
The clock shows **3:14:30**
